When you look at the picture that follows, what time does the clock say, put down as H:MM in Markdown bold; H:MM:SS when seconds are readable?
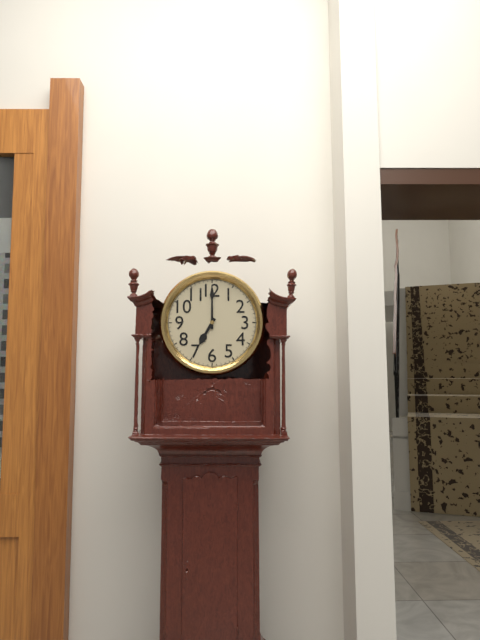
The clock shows **7:00**
